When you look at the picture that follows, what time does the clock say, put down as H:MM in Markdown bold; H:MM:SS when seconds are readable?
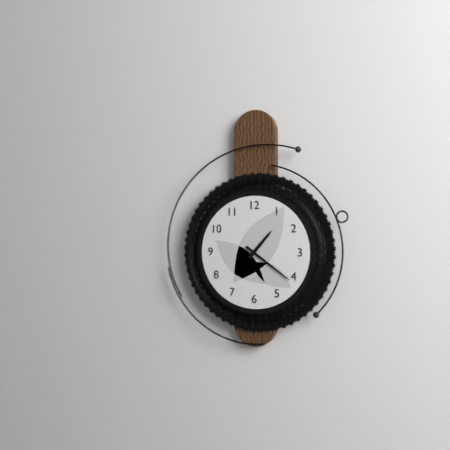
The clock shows **1:21**
